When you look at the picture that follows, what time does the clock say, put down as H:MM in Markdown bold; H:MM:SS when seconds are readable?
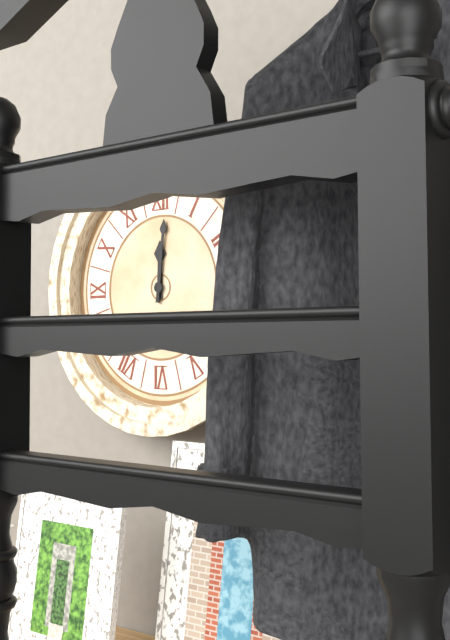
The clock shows **12:01**
